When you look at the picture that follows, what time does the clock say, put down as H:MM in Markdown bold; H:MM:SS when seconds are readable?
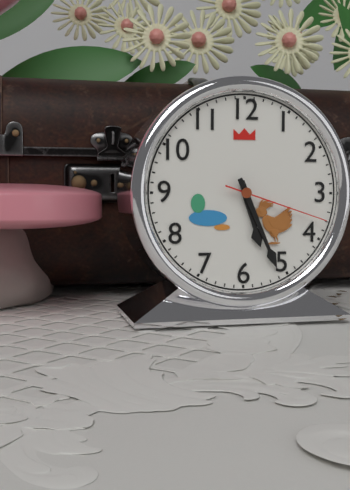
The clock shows **5:26:18**
